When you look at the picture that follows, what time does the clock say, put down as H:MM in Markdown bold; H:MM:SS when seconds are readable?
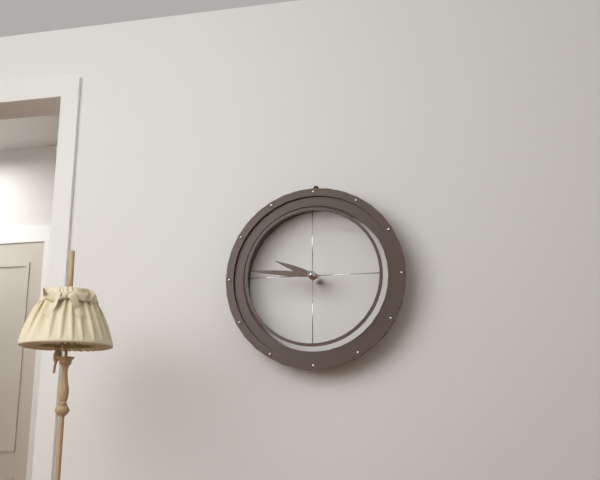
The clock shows **9:46**
